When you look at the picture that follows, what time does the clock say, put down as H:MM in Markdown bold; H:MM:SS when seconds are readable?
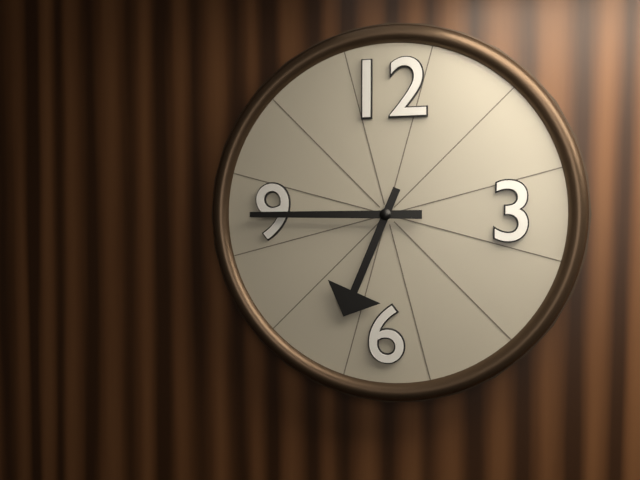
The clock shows **6:45**
